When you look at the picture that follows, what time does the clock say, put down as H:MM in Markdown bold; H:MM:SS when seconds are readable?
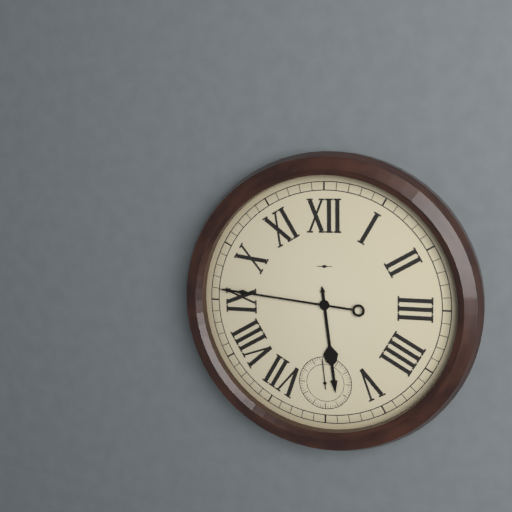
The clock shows **5:46**
